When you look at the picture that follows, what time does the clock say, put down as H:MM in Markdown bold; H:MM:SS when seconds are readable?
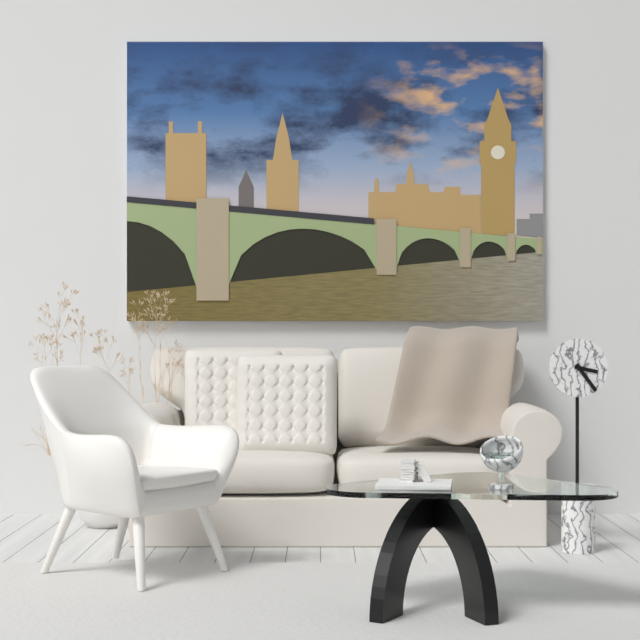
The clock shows **3:24**
